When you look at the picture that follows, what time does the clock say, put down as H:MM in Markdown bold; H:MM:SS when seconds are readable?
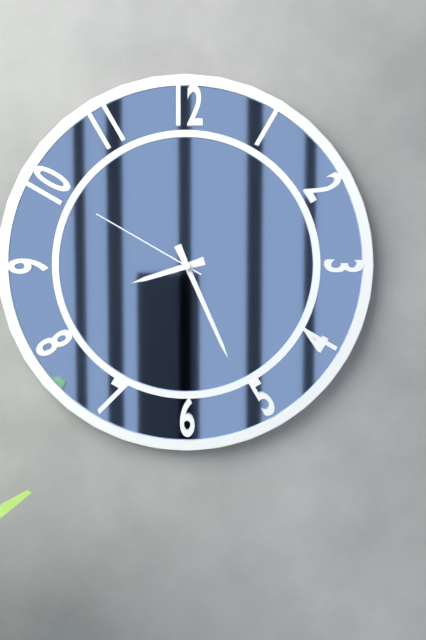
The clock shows **8:26:50**
